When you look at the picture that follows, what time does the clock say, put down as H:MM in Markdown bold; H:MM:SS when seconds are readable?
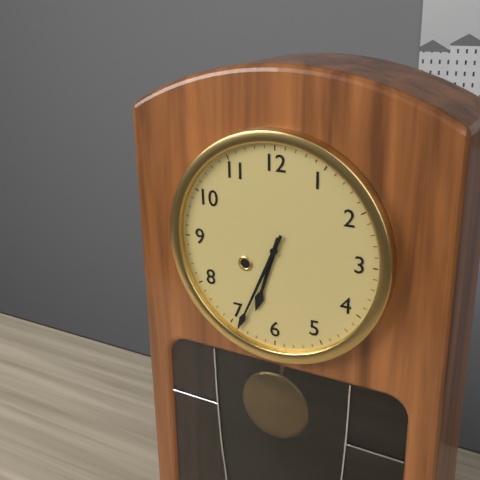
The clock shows **6:34**
